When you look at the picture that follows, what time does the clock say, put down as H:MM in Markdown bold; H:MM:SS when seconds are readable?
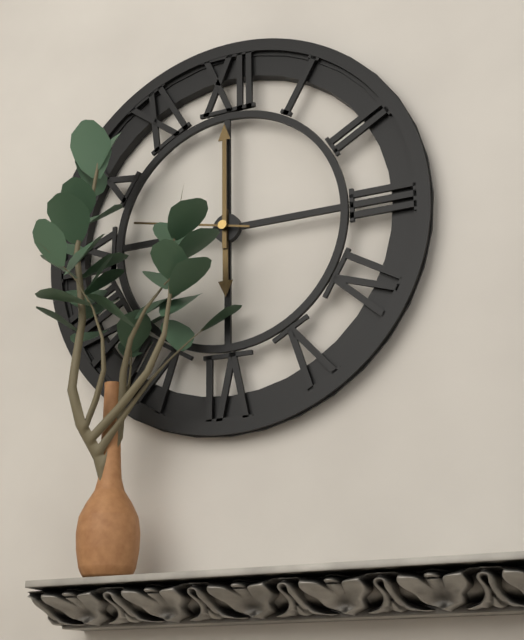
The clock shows **6:00:47**
